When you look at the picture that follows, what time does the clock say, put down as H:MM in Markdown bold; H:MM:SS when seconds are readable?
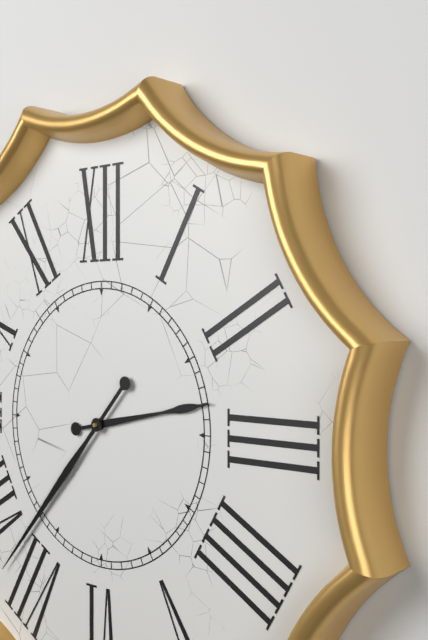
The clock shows **2:37**
